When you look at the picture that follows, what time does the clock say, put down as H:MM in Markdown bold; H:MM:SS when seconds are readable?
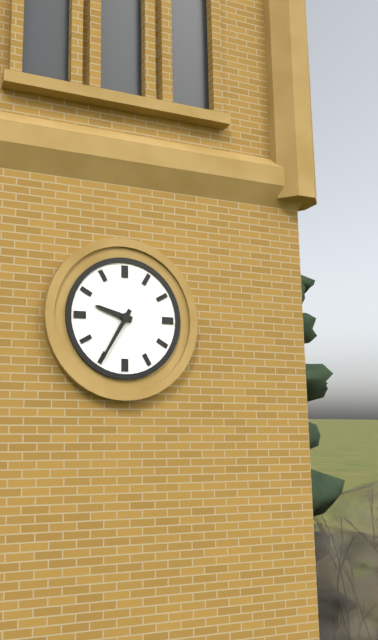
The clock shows **9:35**
